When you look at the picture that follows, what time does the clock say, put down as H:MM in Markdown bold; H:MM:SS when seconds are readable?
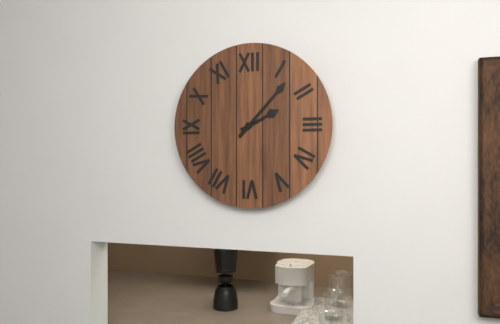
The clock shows **2:07**
